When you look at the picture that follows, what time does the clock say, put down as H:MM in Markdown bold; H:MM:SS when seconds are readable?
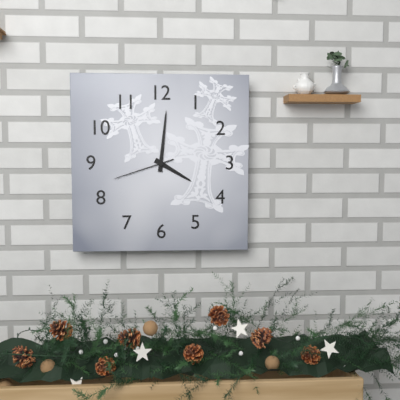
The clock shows **4:01:42**
